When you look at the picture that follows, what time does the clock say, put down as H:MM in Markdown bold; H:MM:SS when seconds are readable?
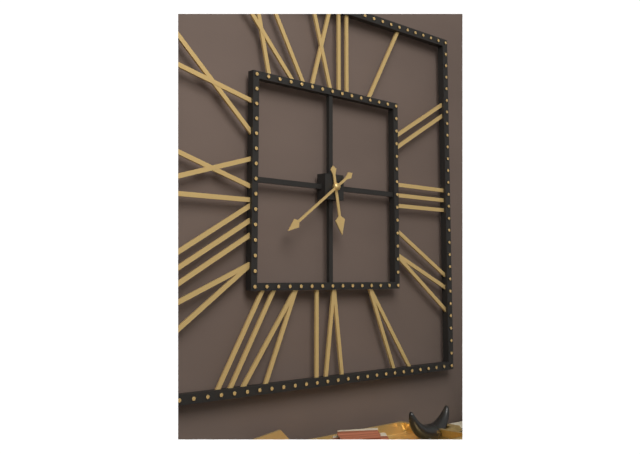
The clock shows **5:39**
